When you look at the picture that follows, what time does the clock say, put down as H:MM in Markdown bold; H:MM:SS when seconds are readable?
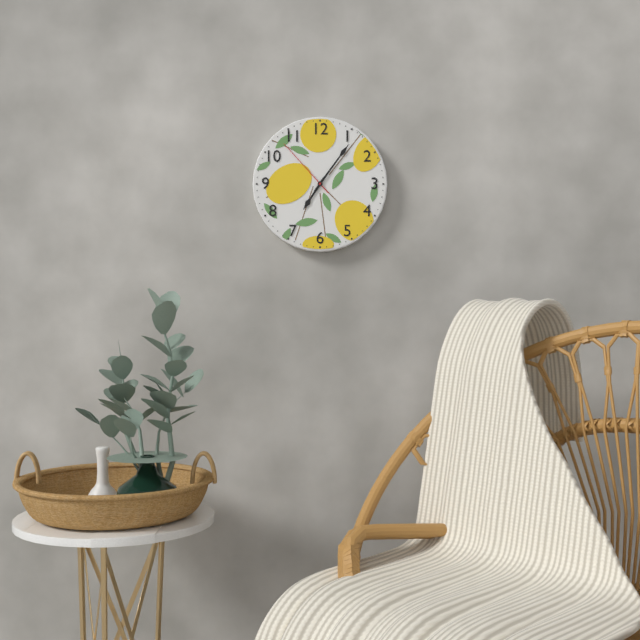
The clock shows **7:06:53**
